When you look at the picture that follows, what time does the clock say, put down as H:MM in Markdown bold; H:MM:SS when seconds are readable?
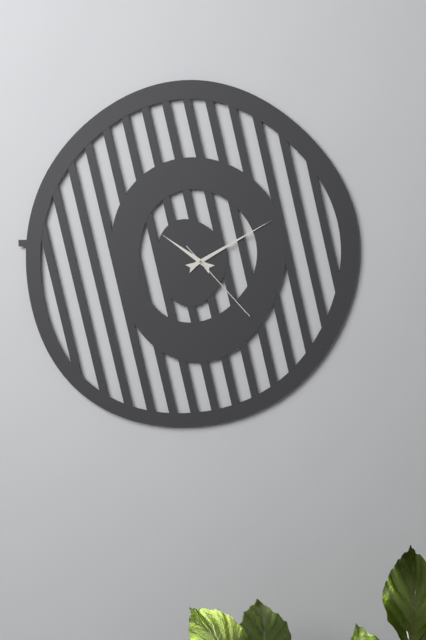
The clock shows **10:10:23**
